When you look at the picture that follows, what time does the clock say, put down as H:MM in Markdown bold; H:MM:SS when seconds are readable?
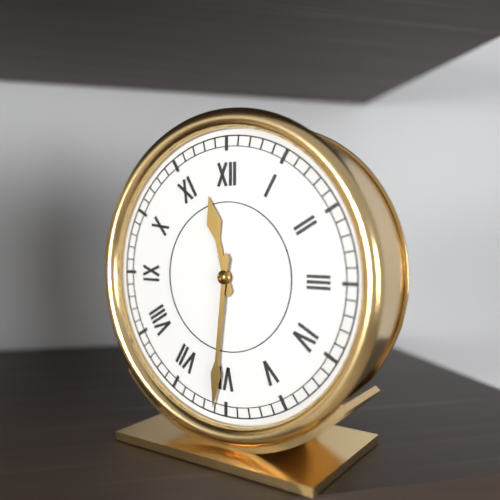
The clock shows **11:31**
